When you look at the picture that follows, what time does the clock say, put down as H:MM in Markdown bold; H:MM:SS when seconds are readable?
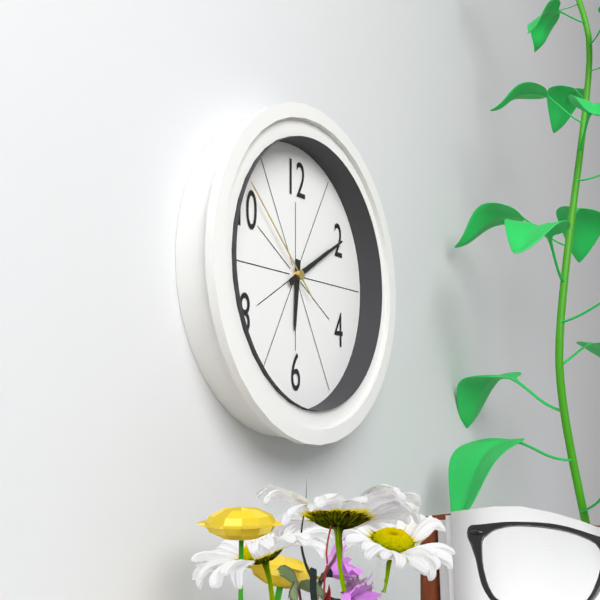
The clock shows **6:10:52**
